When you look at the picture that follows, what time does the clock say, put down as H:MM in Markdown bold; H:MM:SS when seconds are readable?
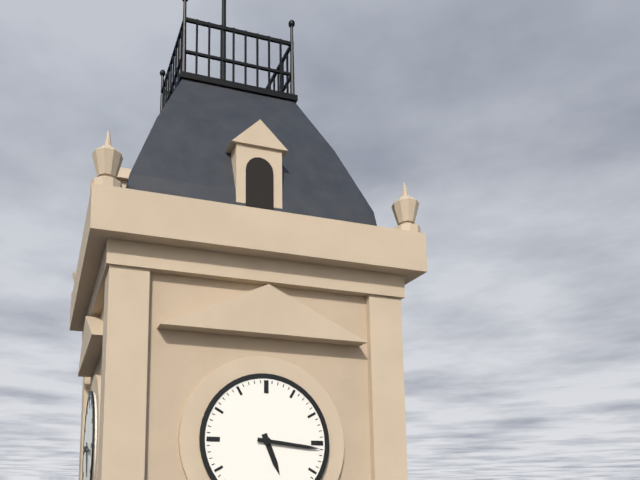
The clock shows **5:16**
